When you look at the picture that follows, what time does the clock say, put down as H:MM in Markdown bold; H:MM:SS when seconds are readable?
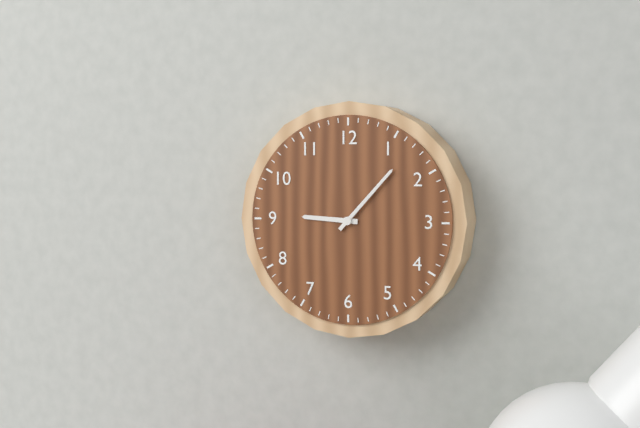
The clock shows **9:07**
